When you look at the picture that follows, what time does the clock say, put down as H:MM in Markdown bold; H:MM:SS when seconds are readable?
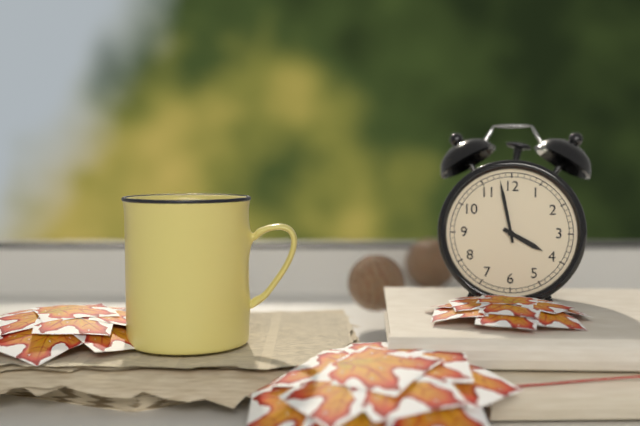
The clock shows **3:58**
